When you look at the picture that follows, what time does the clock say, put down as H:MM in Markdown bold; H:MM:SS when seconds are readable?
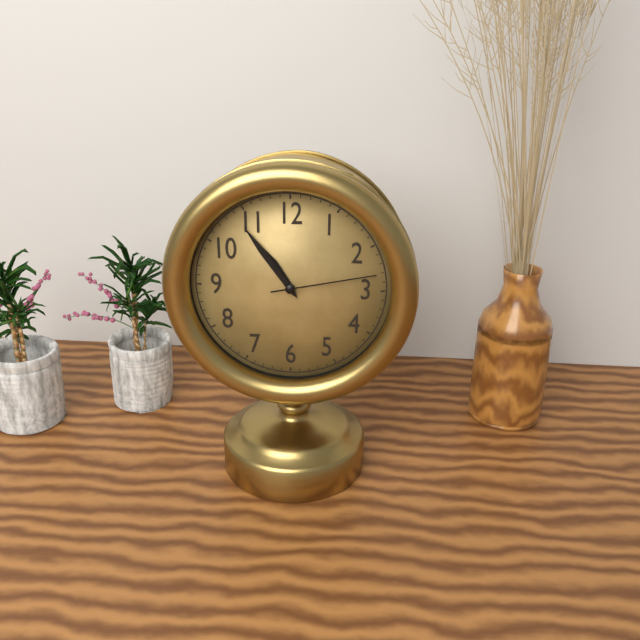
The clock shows **10:54:13**
